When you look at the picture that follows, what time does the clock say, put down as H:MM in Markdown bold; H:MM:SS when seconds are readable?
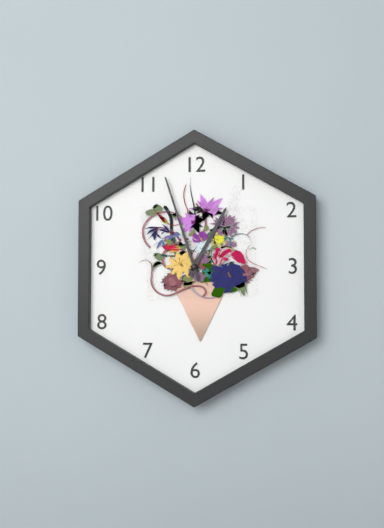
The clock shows **12:57**
